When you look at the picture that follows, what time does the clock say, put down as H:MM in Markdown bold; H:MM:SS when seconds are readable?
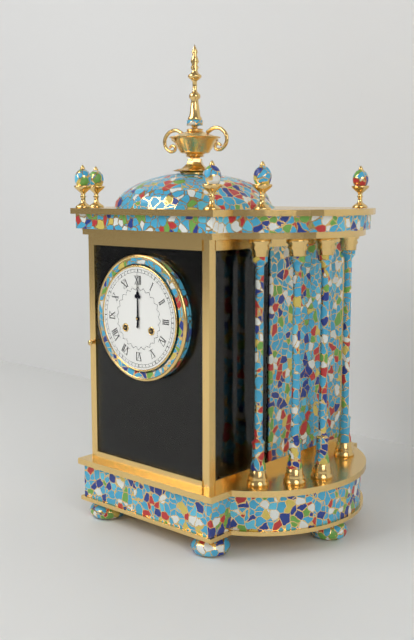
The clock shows **12:00**
